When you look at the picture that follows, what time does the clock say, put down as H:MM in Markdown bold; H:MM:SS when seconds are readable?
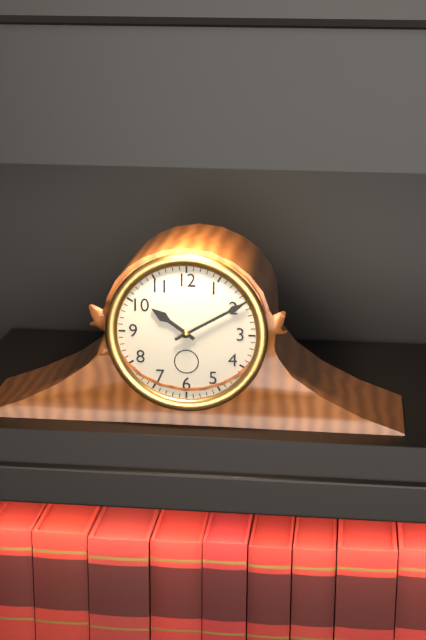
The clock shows **10:10**
